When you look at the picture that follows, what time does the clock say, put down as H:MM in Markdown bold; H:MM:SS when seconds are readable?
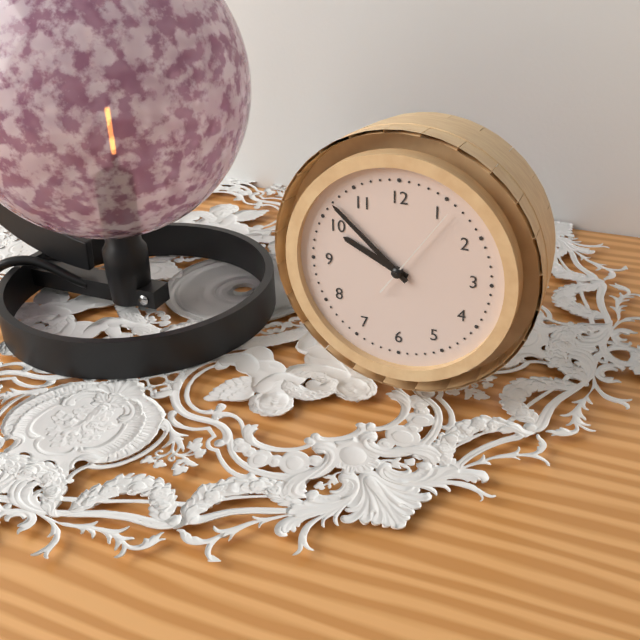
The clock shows **9:52:06**
